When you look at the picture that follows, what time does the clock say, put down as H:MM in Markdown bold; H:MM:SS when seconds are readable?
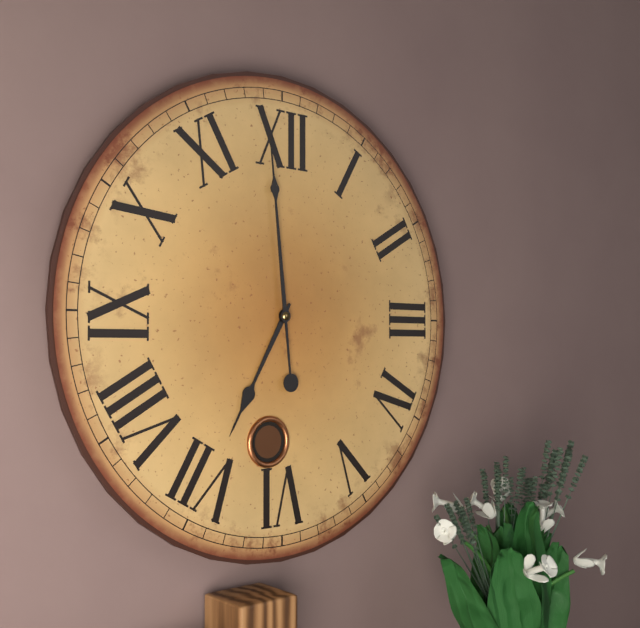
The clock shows **6:59**
